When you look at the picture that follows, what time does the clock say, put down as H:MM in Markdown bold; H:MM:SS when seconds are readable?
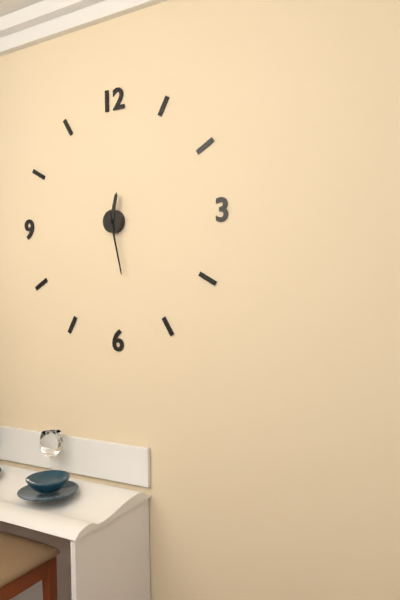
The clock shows **12:28**
